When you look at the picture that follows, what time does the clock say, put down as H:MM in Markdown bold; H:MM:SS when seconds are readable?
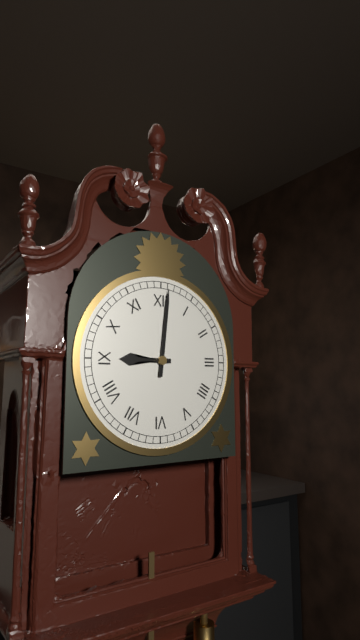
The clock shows **9:01**
